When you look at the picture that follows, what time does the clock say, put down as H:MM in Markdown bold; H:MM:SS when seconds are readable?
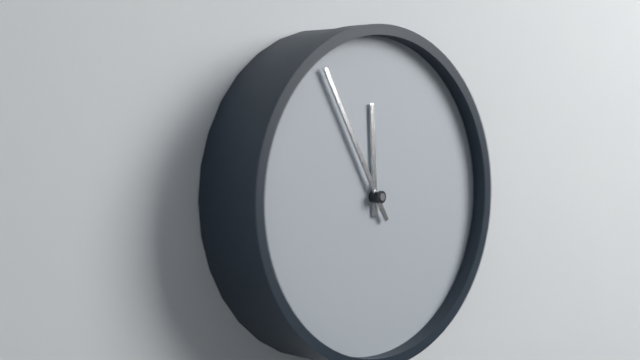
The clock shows **11:55**
